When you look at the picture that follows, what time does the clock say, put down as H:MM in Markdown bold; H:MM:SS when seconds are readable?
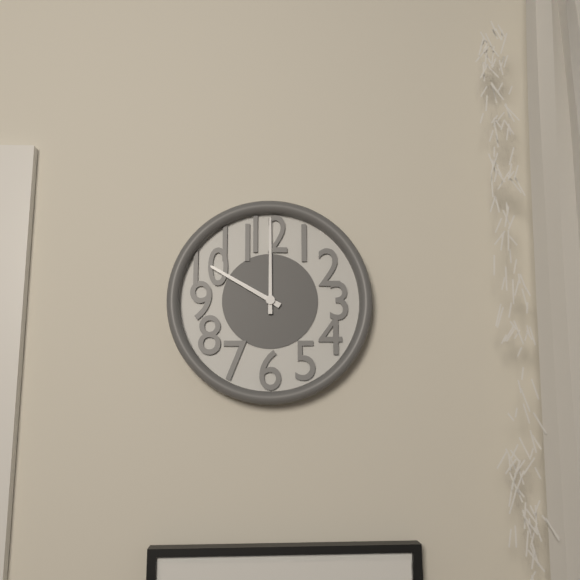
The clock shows **10:00**
